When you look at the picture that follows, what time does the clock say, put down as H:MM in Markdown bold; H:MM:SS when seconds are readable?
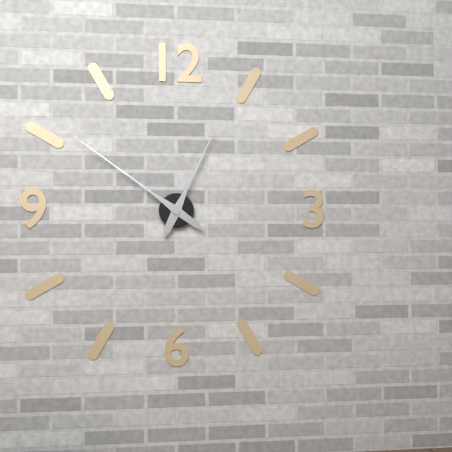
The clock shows **12:51**
